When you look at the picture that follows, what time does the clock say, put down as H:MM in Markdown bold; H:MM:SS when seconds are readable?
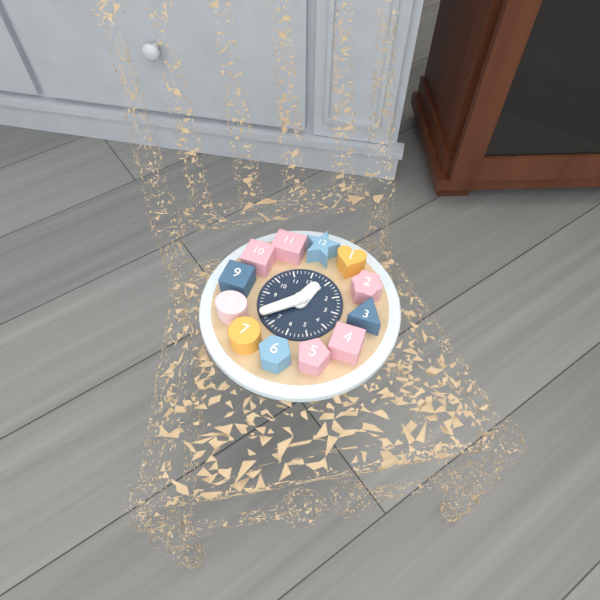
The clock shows **12:38**
